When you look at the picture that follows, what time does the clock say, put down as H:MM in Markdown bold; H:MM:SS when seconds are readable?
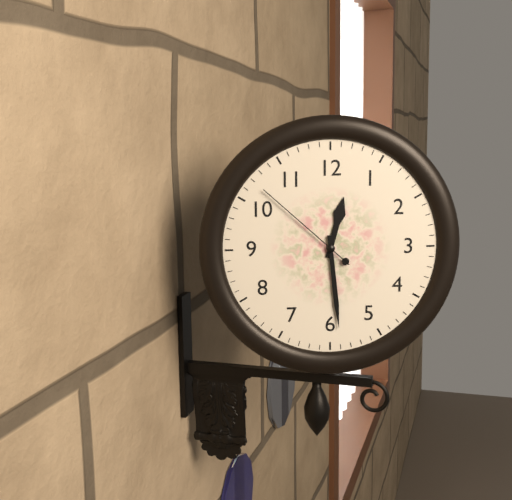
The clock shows **12:29:52**
